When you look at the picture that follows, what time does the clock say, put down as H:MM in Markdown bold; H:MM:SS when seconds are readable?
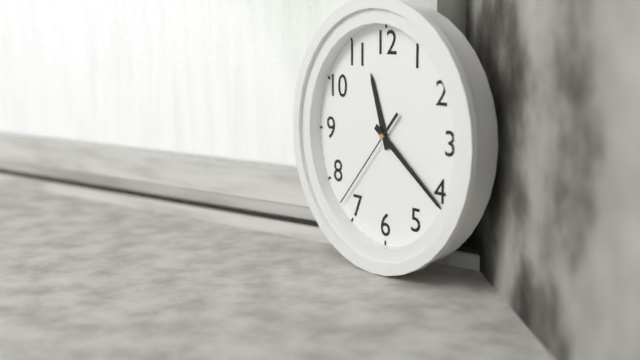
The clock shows **11:21:37**
